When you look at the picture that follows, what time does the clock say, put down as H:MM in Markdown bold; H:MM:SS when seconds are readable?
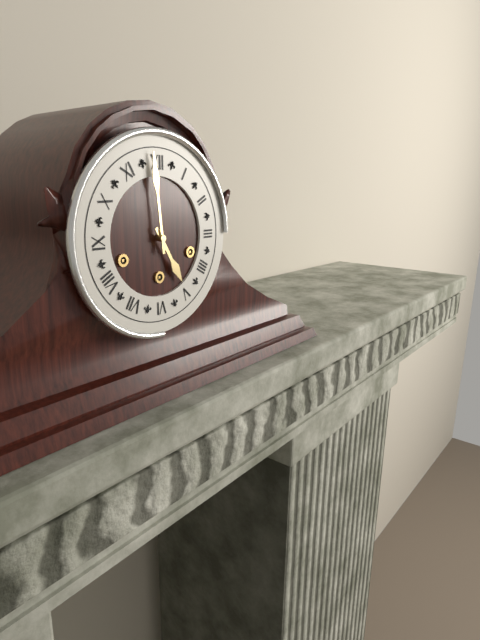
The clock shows **4:59**
